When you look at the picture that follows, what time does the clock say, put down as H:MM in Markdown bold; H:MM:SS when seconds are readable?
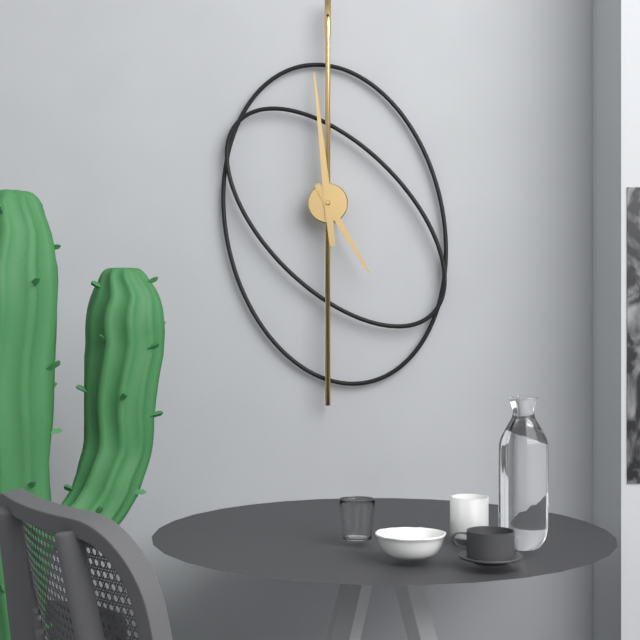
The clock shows **4:59**
